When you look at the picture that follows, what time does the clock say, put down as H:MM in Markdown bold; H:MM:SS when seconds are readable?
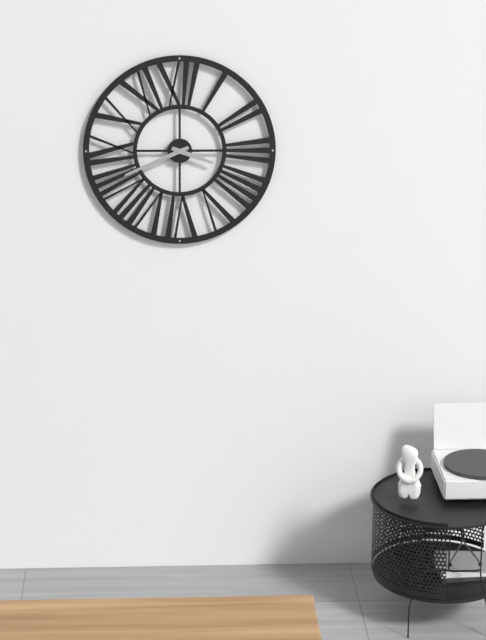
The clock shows **3:41**
